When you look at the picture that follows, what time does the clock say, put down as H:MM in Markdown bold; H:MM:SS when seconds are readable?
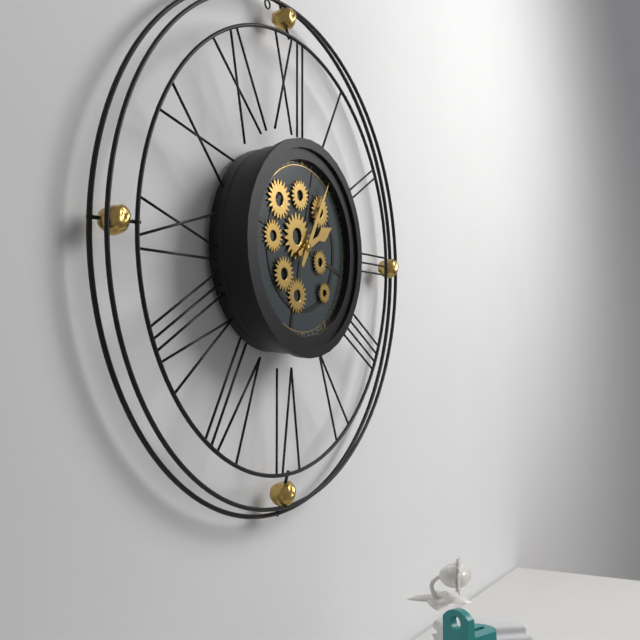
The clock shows **2:05**
